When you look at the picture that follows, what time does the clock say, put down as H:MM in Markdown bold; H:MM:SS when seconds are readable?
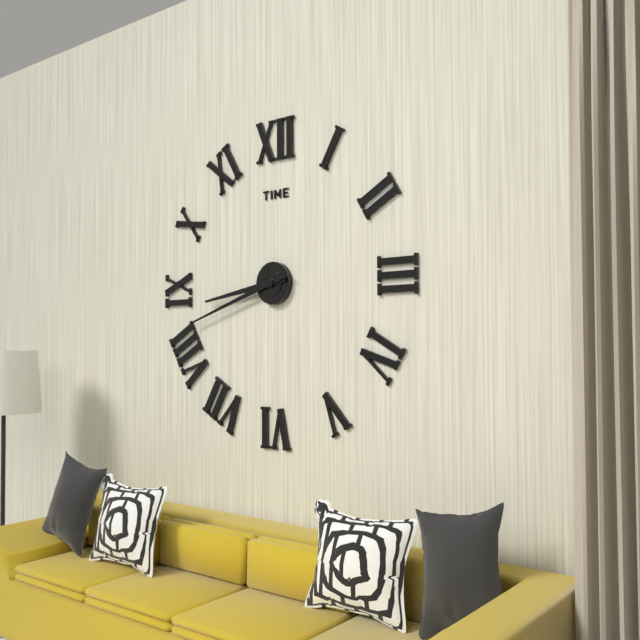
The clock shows **8:42**
